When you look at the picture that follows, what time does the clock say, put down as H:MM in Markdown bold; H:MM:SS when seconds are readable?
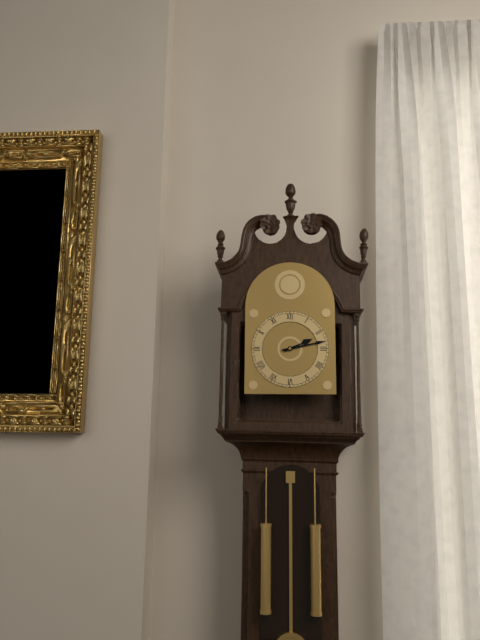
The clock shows **2:13**
